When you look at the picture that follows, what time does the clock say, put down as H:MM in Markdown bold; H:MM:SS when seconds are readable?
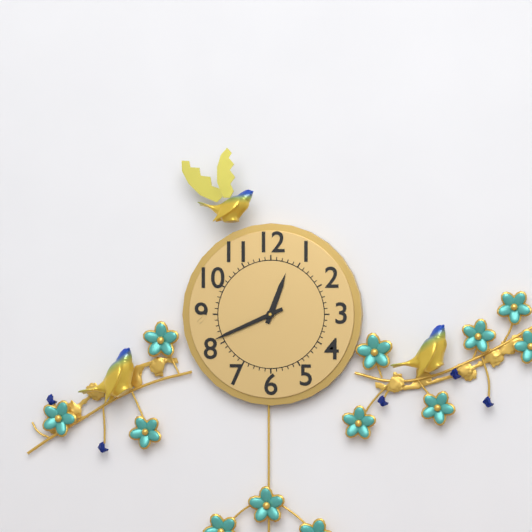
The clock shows **12:41**
